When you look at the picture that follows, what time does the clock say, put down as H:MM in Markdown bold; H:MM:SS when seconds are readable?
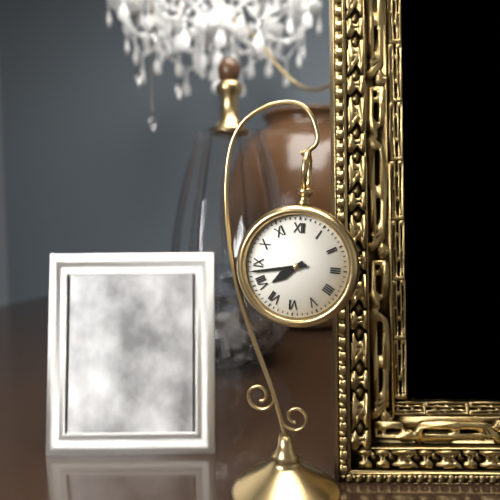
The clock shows **7:43**
